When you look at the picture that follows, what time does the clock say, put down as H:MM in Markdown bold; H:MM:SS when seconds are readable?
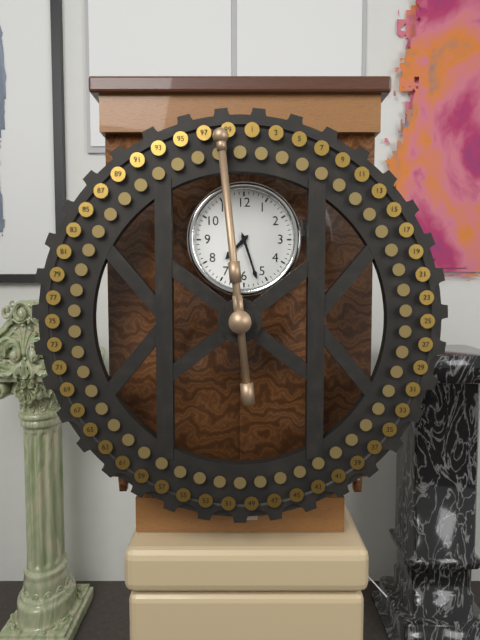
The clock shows **7:27**
